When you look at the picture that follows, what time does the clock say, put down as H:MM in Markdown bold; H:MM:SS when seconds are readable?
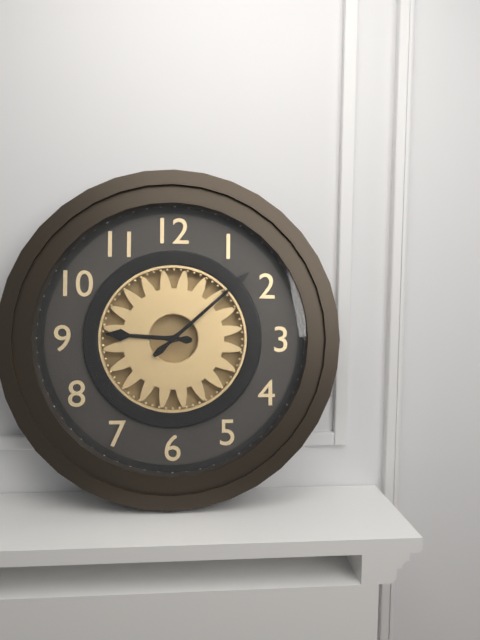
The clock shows **9:08**
